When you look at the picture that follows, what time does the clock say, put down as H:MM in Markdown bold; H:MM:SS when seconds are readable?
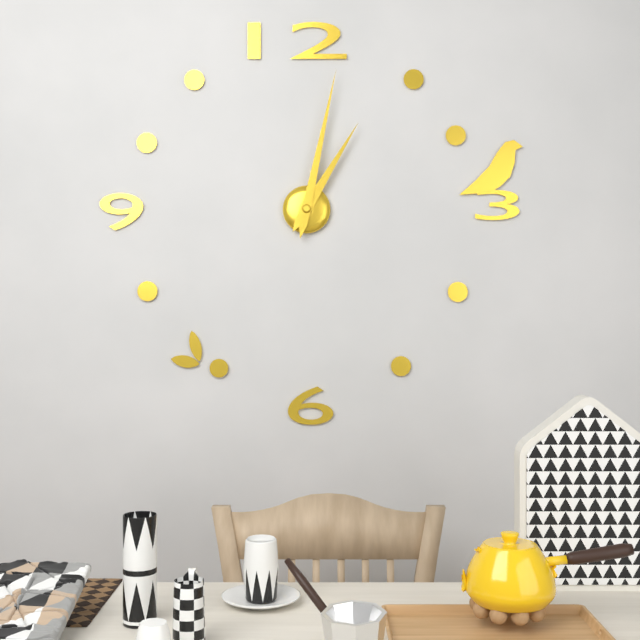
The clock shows **1:02**
